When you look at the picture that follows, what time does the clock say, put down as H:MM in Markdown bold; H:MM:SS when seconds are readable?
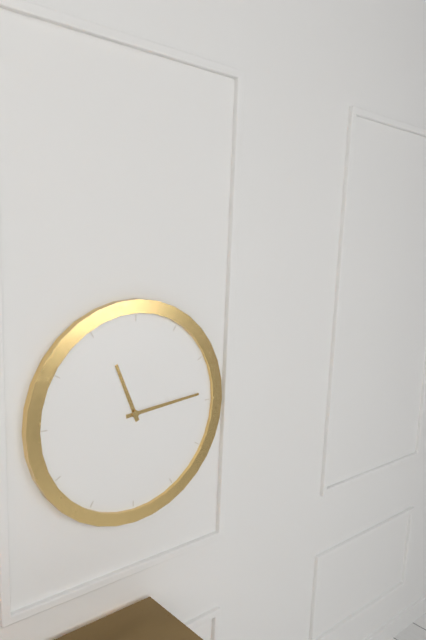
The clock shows **11:14**
